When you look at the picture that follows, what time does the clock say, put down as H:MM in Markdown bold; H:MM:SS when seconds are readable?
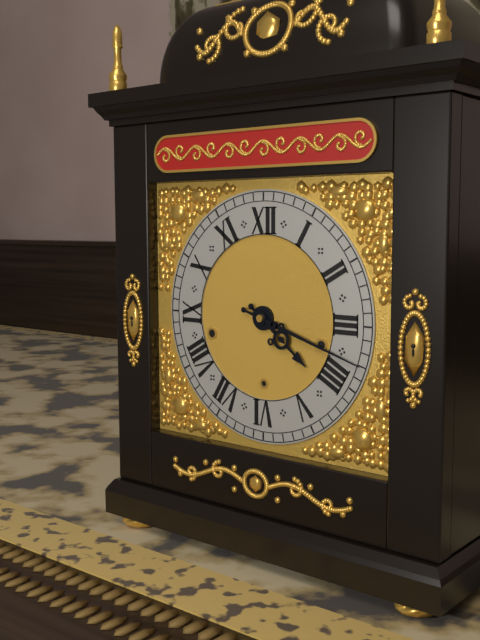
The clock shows **4:18**
